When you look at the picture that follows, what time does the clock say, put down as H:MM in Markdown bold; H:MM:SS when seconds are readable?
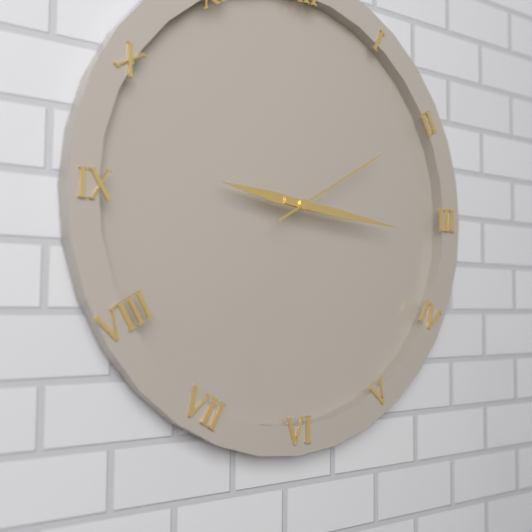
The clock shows **9:16:10**
